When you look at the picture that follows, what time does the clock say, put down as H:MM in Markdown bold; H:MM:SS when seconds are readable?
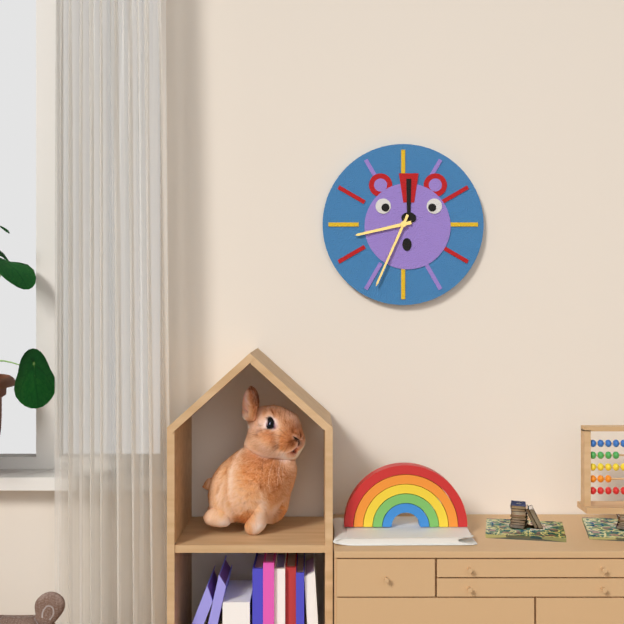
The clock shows **8:34**
